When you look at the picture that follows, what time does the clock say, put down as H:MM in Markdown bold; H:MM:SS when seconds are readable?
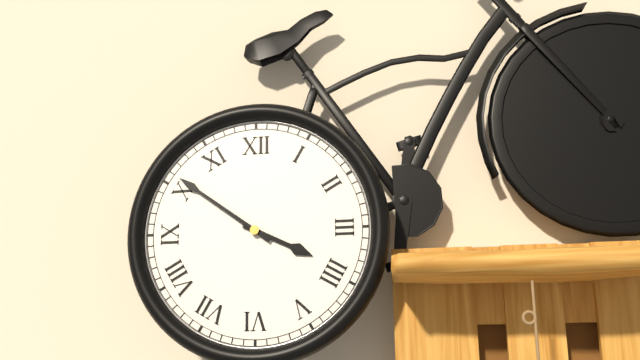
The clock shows **3:51**
